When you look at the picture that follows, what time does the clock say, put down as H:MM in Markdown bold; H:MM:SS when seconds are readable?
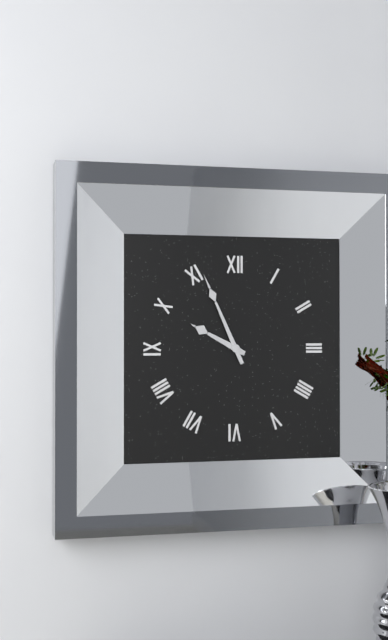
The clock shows **9:56**
